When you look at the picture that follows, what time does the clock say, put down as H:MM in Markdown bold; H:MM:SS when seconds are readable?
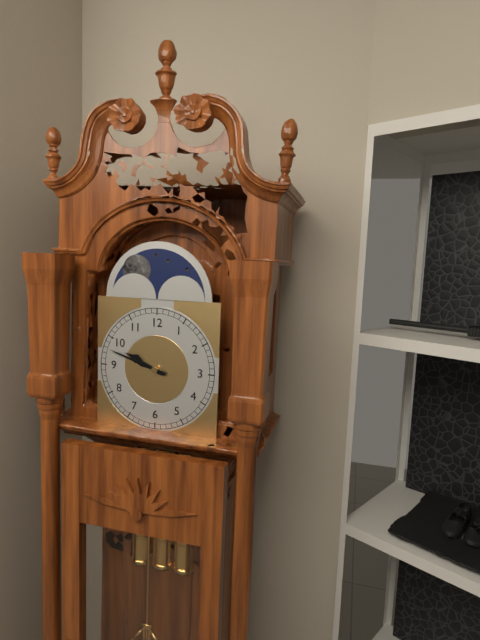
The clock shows **9:48**
